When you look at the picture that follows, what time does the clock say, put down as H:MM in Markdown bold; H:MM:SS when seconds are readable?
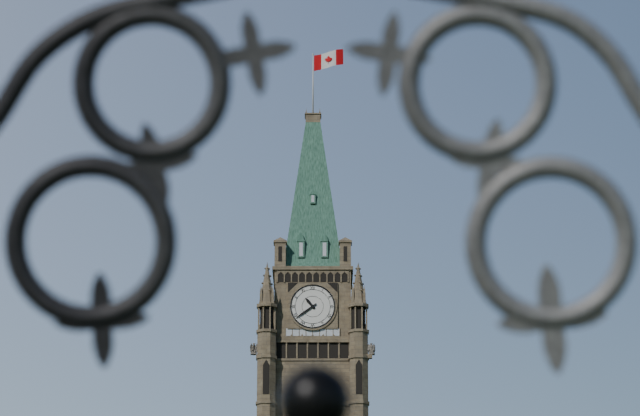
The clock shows **10:39**
